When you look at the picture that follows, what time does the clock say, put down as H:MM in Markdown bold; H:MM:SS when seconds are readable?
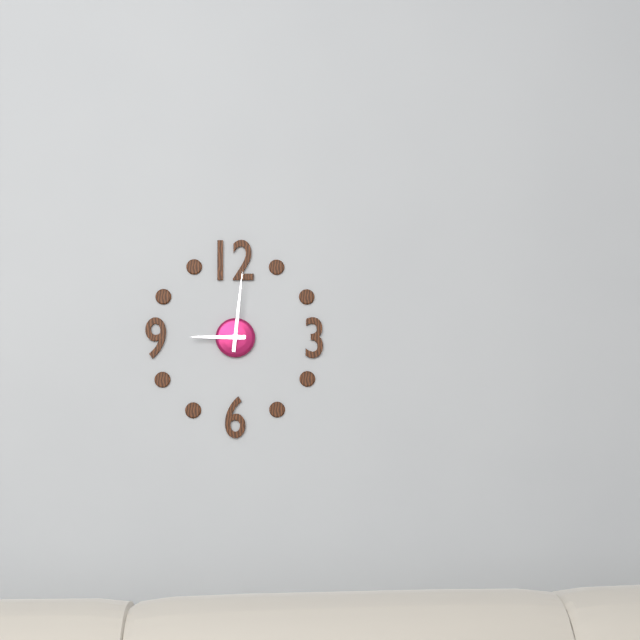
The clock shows **9:01**
